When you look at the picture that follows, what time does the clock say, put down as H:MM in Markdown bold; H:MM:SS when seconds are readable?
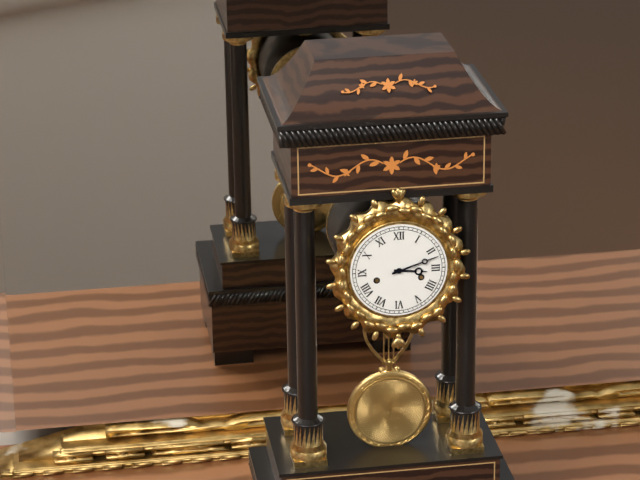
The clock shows **3:12**
